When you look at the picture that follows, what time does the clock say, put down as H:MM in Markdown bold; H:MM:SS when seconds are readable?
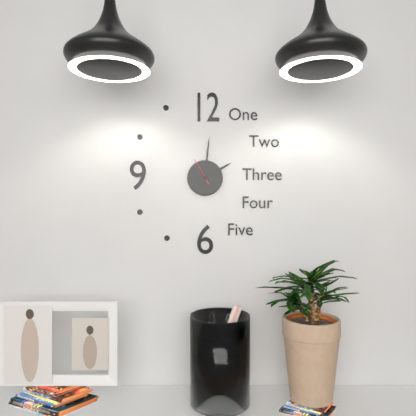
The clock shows **2:01**
